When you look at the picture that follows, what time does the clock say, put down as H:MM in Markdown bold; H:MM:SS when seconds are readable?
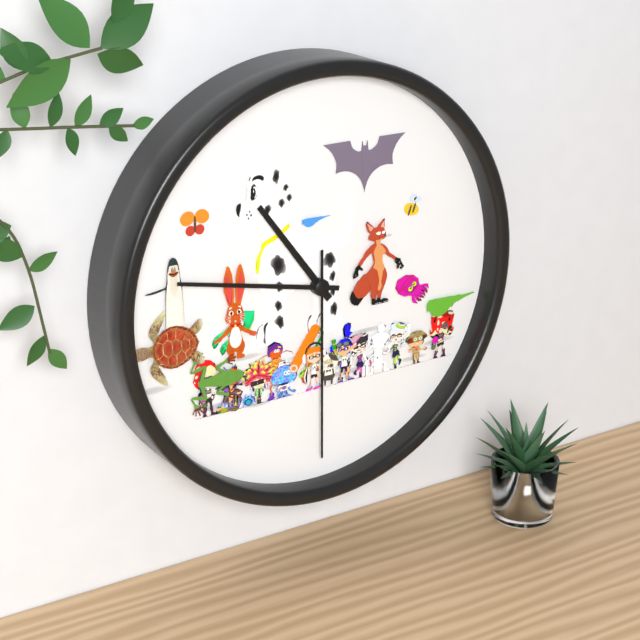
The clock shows **10:47:30**
